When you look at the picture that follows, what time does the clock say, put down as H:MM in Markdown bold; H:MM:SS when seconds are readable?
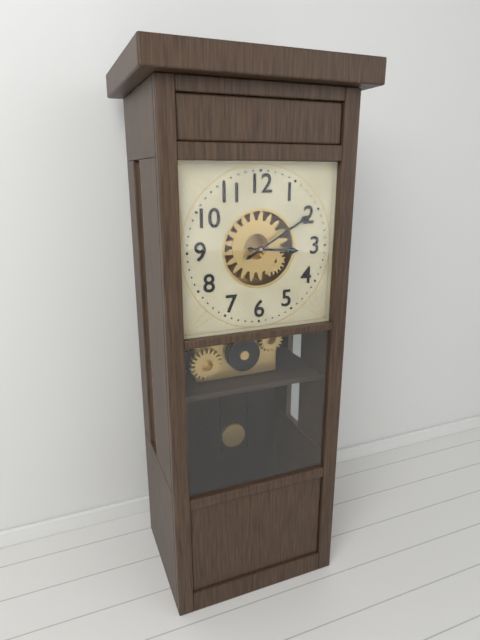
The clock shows **3:10**
